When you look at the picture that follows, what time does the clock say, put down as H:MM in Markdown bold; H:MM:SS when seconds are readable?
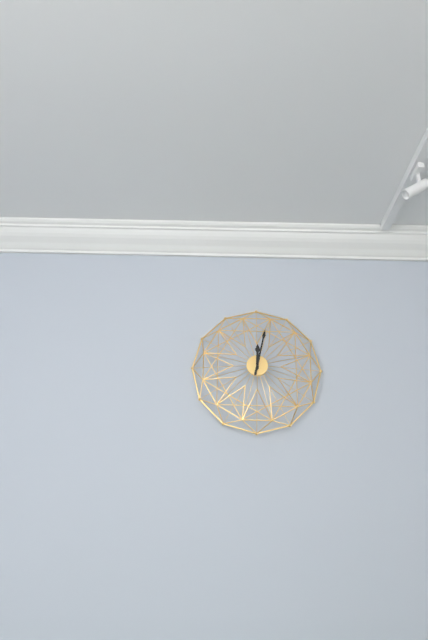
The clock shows **12:02**
